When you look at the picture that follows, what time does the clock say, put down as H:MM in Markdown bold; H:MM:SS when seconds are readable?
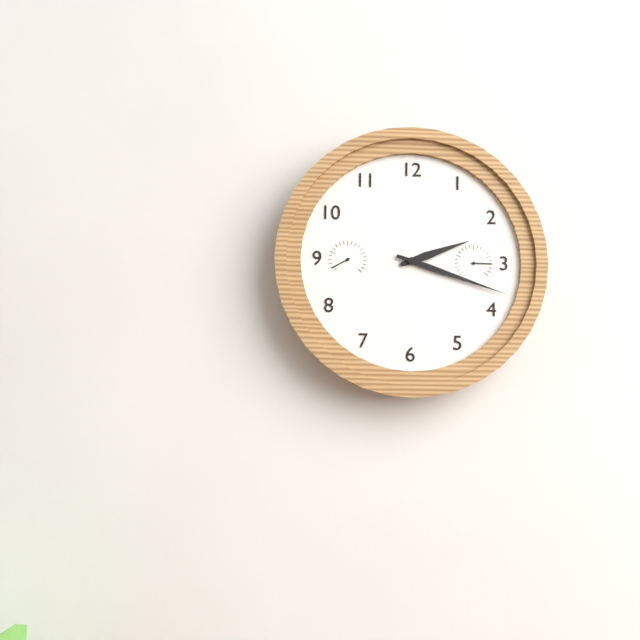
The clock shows **2:18**
